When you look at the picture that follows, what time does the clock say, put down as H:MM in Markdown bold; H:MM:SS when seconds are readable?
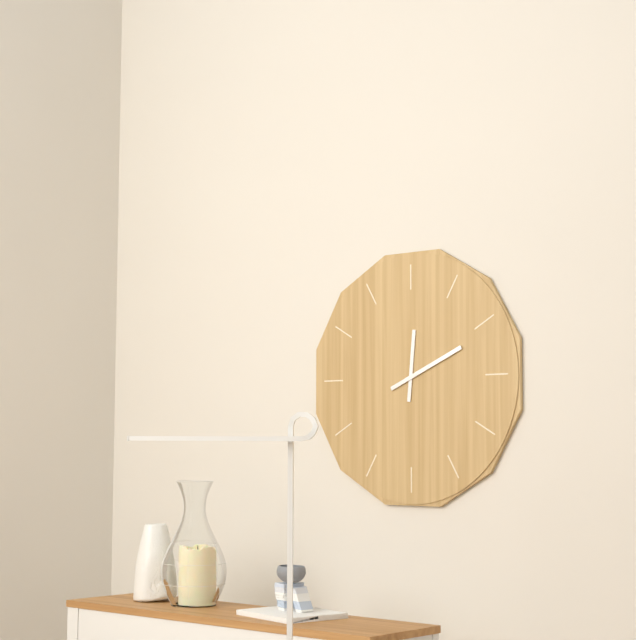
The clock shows **12:11**
